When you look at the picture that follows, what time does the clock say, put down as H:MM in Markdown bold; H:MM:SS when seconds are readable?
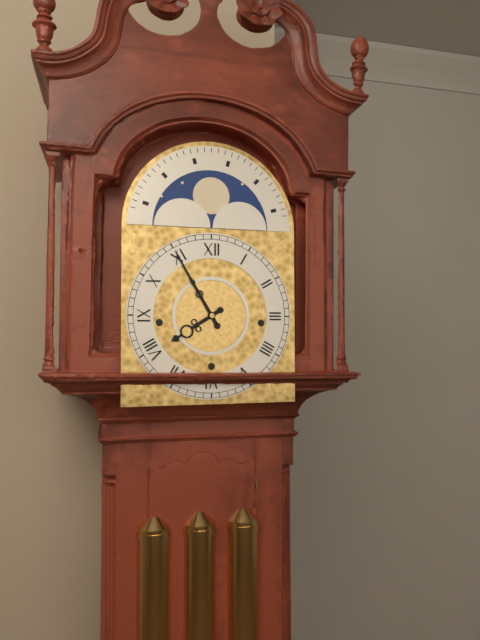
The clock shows **7:55**
